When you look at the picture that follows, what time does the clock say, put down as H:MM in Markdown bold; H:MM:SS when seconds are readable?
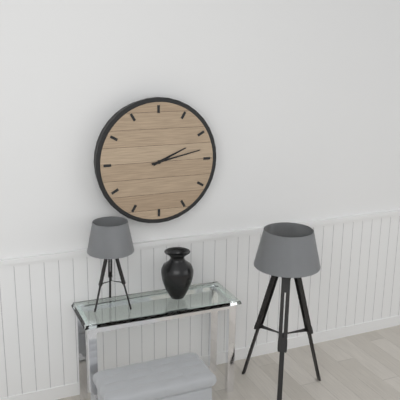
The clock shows **2:13**
